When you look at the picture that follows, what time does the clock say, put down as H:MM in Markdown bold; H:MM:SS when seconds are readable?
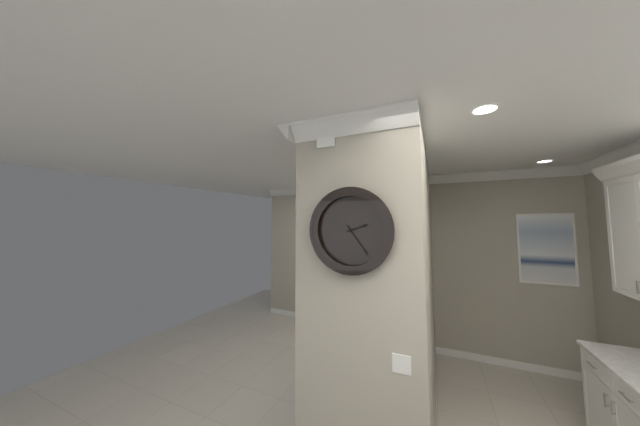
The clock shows **2:24**
